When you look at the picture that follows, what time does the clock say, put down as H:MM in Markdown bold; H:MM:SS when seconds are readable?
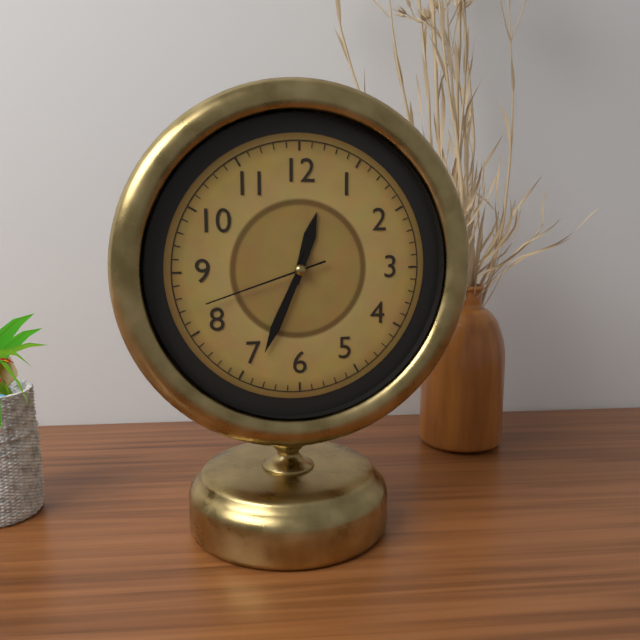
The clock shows **12:34:42**
